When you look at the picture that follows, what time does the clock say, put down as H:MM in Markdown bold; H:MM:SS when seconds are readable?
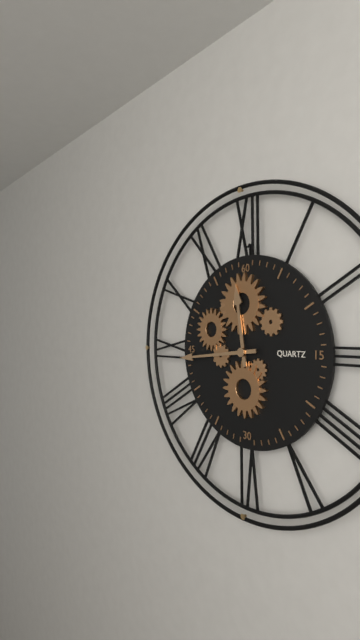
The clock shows **11:44**
